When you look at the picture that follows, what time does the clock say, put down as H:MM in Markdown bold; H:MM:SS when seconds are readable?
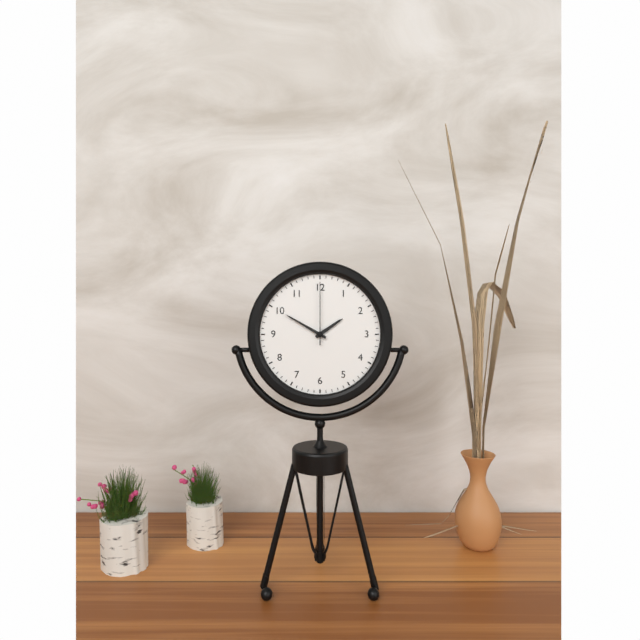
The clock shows **1:50:00**
